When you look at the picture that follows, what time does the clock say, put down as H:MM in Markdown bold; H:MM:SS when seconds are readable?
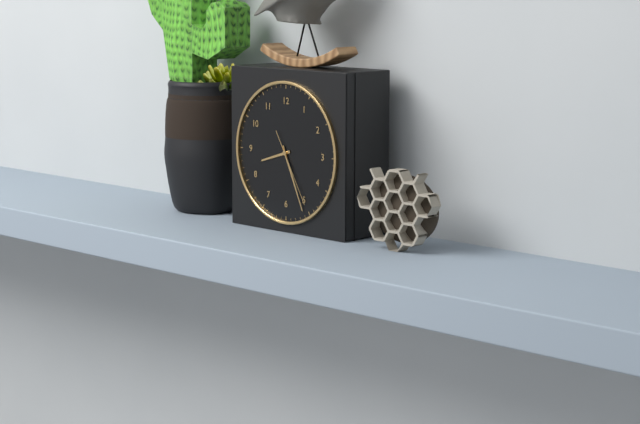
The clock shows **8:26:25**
